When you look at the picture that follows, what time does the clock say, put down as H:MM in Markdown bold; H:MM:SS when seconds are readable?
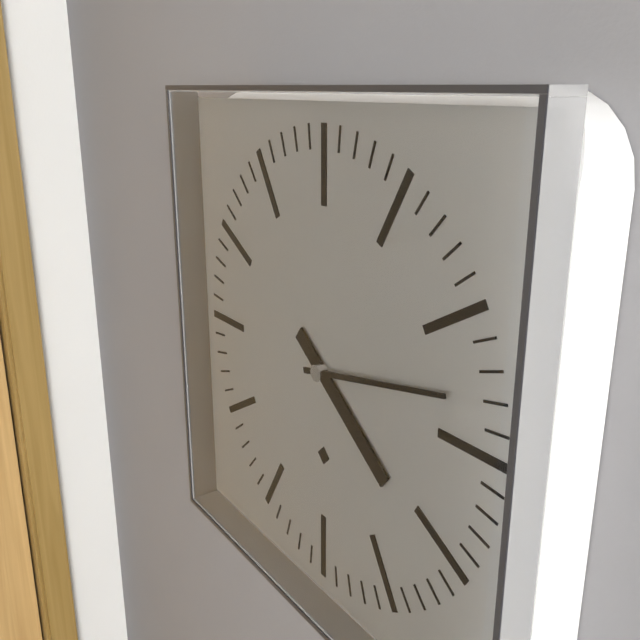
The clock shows **4:13**
